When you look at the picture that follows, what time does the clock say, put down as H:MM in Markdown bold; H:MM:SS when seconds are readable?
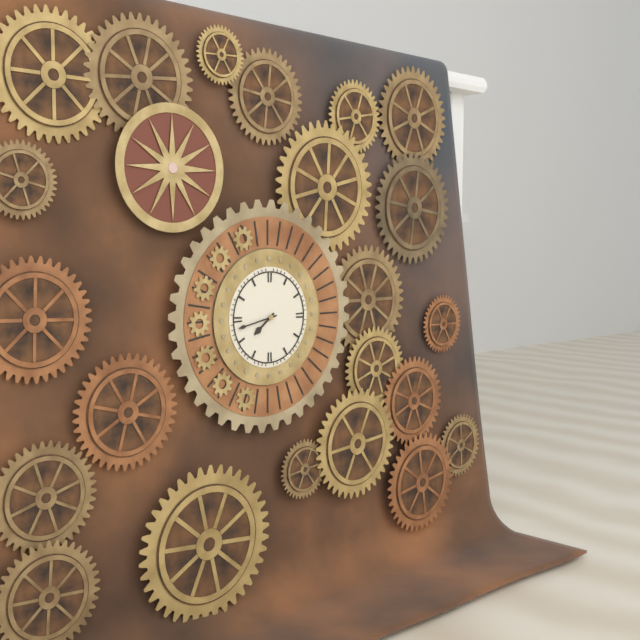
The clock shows **7:43**
